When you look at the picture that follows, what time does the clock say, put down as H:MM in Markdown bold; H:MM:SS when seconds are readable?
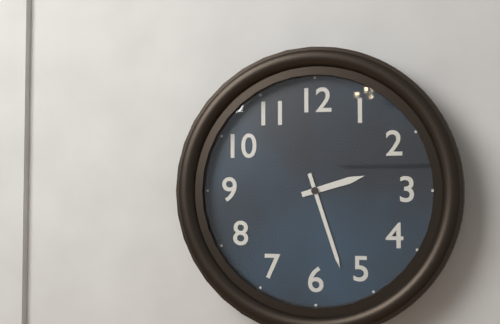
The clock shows **2:27**
